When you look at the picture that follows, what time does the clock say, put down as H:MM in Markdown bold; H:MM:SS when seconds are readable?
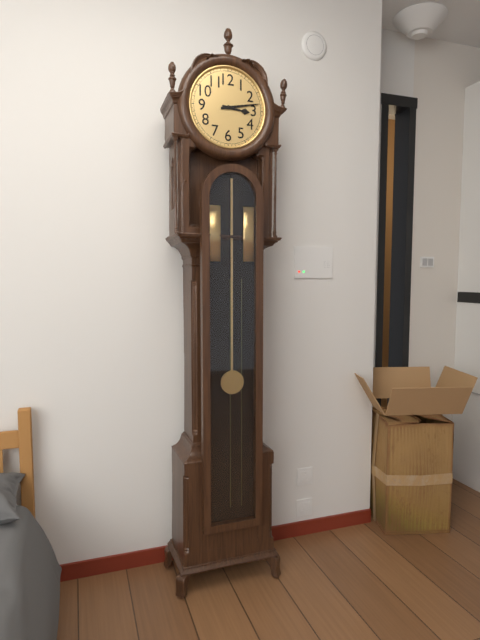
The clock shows **3:13**
